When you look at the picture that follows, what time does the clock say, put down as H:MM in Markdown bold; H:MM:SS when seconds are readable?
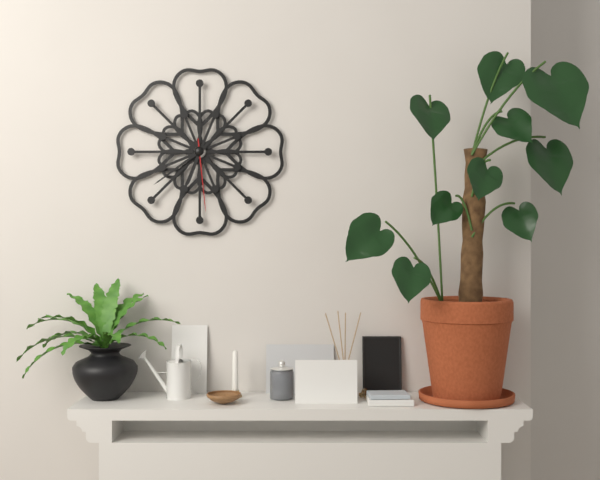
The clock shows **6:39:29**
